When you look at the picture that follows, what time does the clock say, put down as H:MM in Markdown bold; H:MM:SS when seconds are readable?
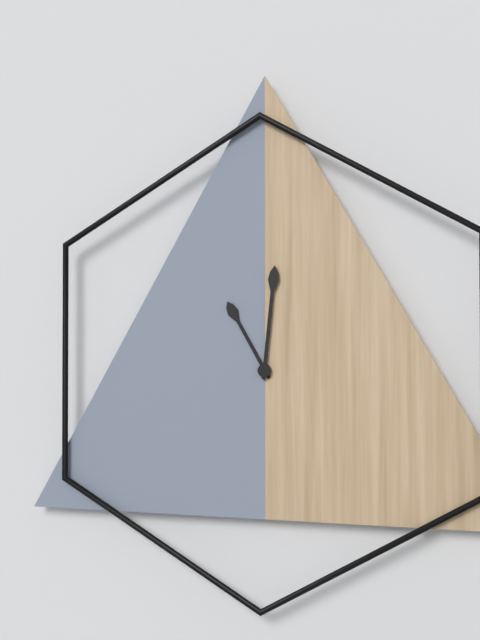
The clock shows **11:01**
